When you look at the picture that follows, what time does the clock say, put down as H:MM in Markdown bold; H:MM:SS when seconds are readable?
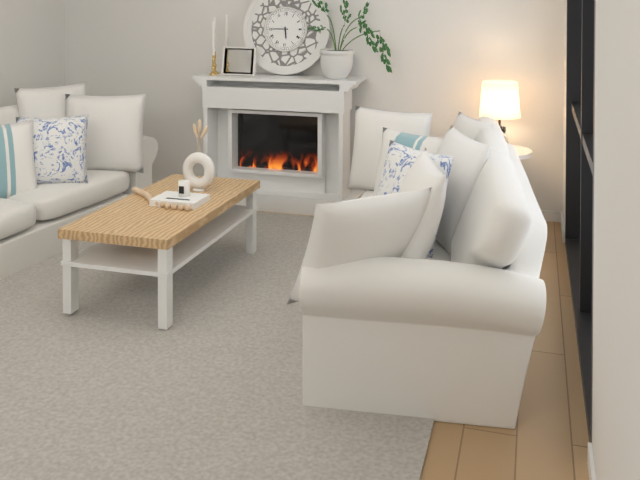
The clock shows **5:45**
